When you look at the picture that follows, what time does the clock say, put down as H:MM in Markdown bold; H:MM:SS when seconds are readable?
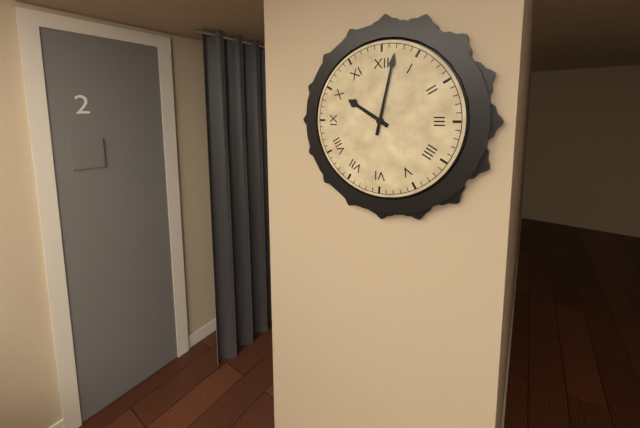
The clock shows **10:02**
